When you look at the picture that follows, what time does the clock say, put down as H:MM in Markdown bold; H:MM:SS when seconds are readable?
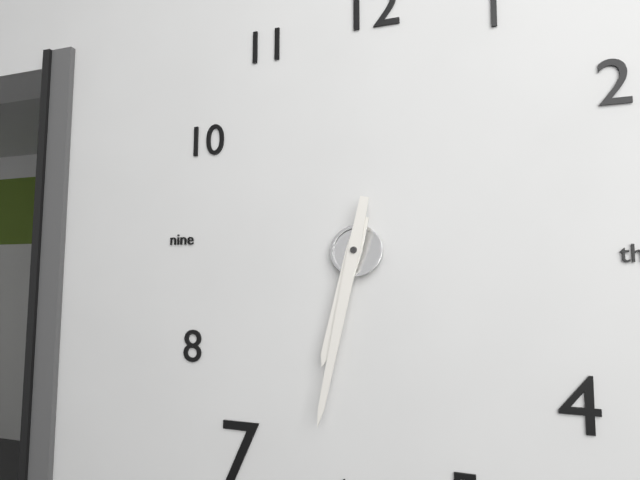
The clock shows **6:32**
